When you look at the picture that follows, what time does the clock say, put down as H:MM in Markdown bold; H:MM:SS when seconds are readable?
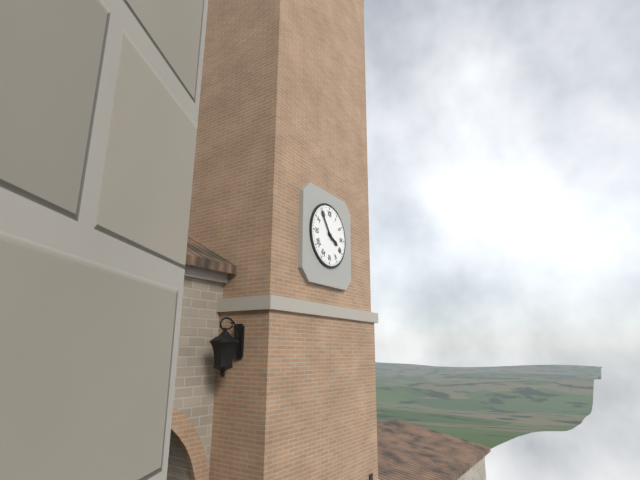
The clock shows **3:54**
